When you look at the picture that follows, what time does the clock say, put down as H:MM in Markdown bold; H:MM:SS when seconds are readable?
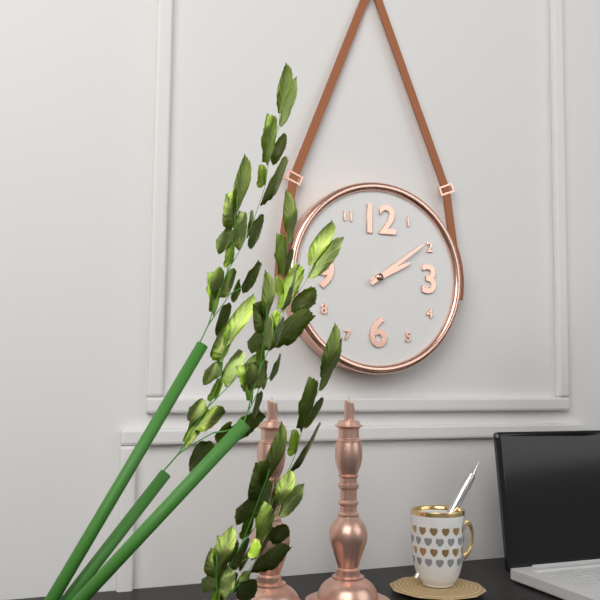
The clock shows **2:09**
